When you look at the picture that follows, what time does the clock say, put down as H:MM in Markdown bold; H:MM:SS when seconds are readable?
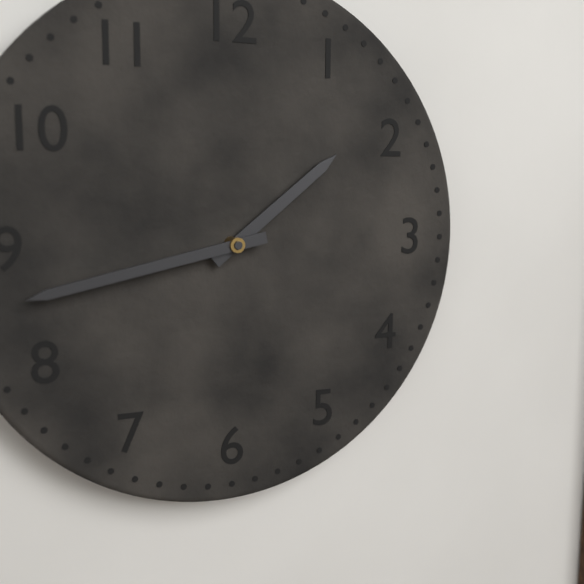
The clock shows **1:43**
